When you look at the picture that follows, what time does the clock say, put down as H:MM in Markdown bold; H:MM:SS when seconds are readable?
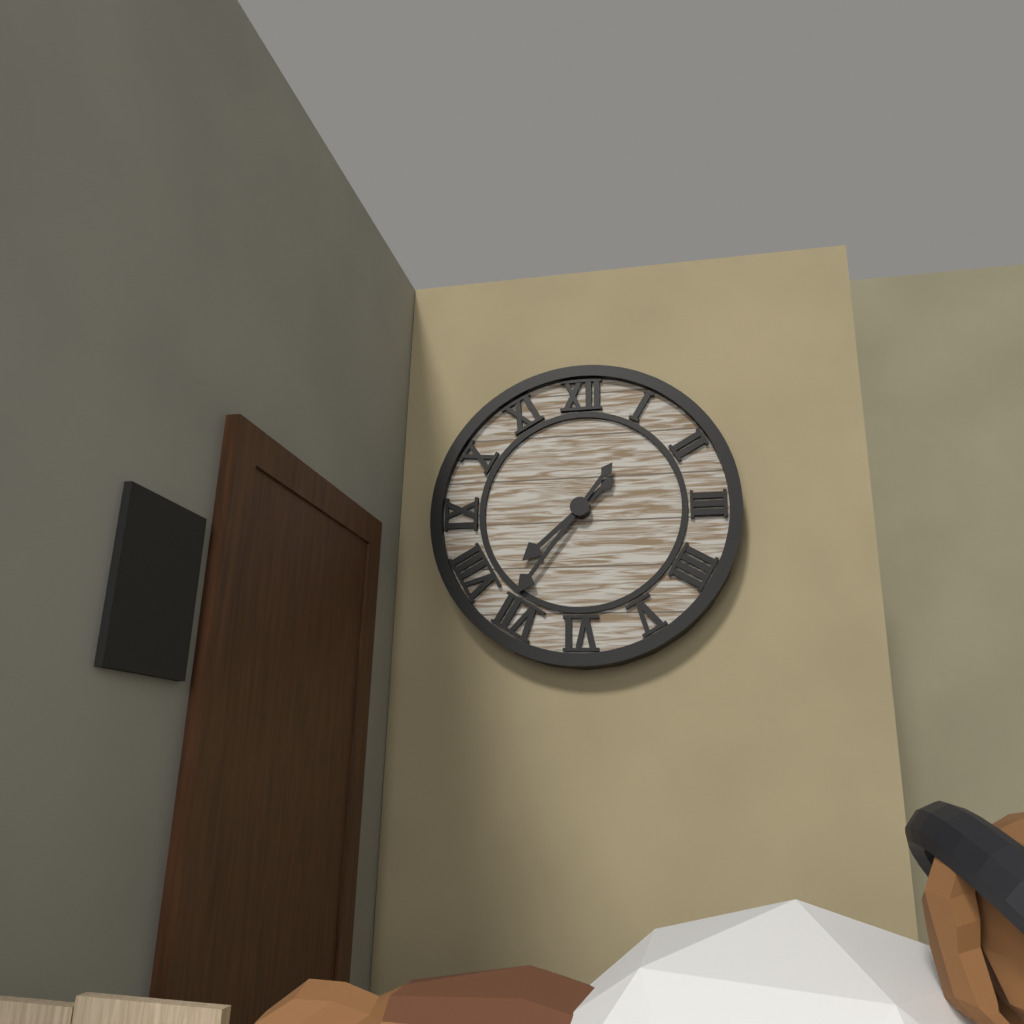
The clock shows **7:36**
